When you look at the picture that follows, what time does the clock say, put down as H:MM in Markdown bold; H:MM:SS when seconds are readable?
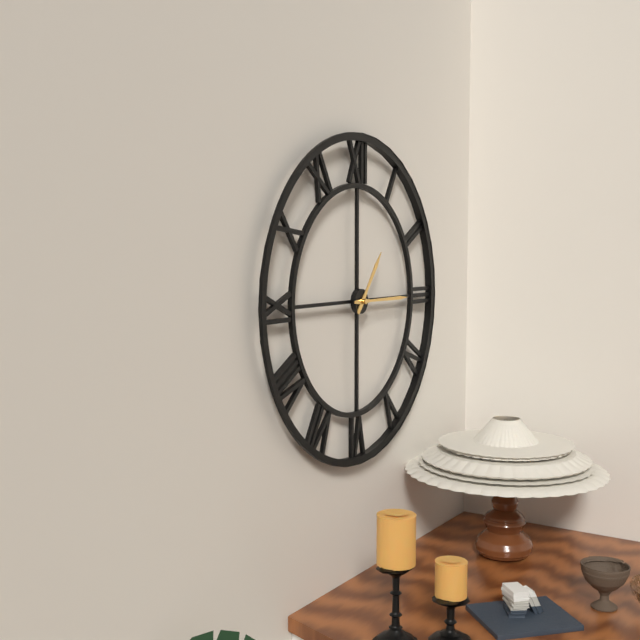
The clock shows **1:15**
